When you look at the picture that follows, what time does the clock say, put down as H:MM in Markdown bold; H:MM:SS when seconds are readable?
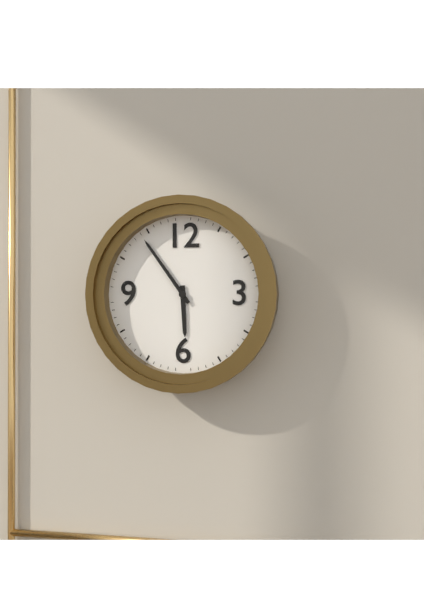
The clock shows **5:54**
